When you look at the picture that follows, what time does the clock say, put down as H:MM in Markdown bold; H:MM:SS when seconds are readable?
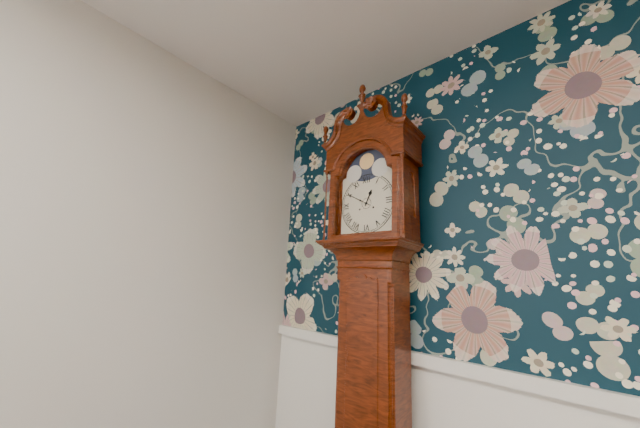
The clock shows **12:50**
